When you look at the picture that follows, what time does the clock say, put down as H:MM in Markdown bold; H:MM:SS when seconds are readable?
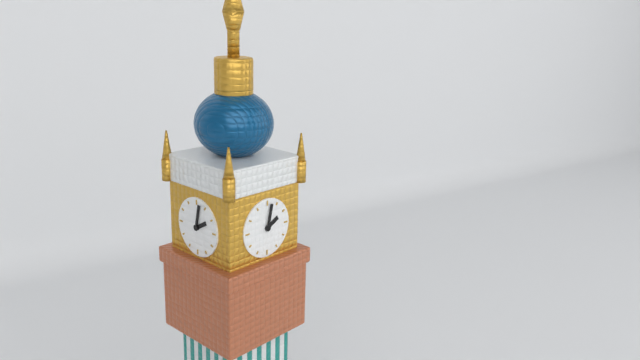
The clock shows **2:02**
